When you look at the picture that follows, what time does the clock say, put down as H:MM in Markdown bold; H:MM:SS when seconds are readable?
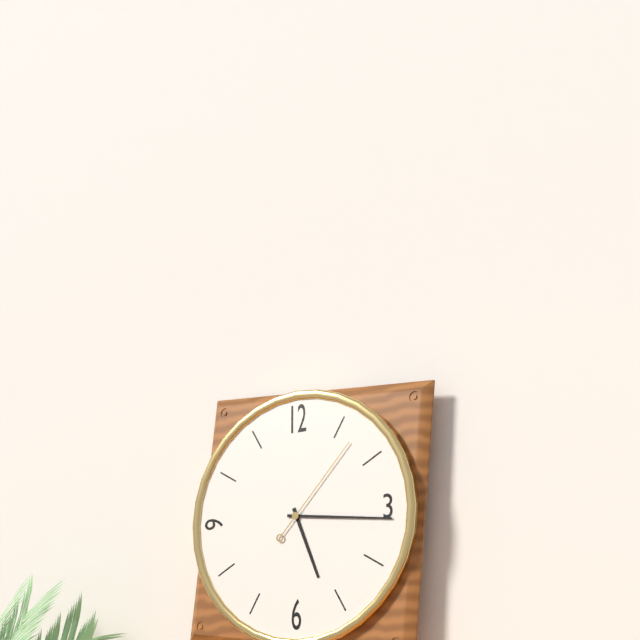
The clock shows **5:16:07**
